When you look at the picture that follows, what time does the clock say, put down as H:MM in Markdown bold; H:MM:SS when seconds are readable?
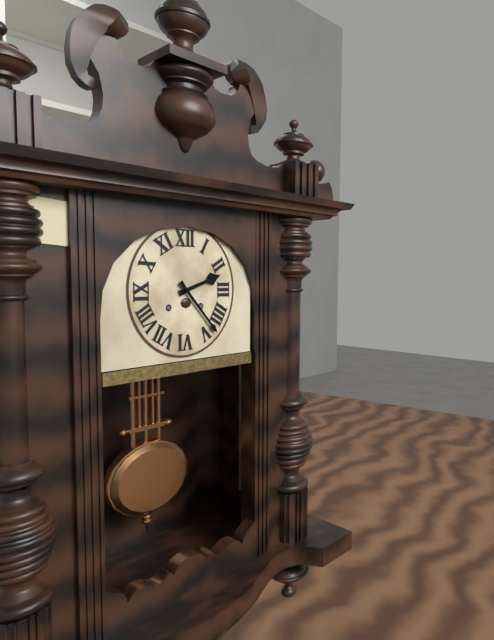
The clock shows **2:23**
